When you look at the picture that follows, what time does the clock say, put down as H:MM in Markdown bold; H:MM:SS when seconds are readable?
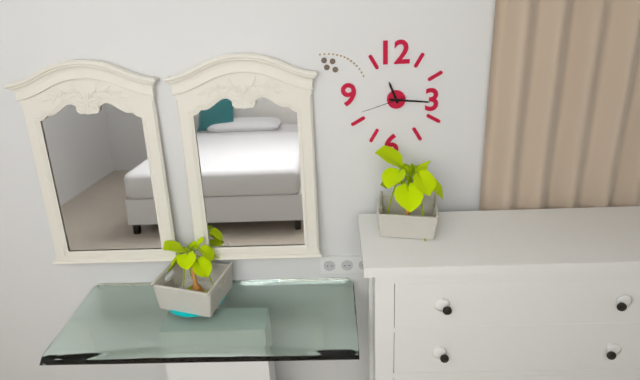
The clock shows **11:16**
